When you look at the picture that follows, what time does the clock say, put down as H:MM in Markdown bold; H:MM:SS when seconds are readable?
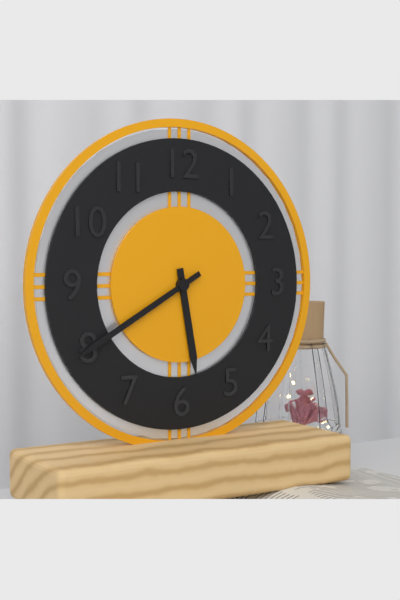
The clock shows **5:40**
